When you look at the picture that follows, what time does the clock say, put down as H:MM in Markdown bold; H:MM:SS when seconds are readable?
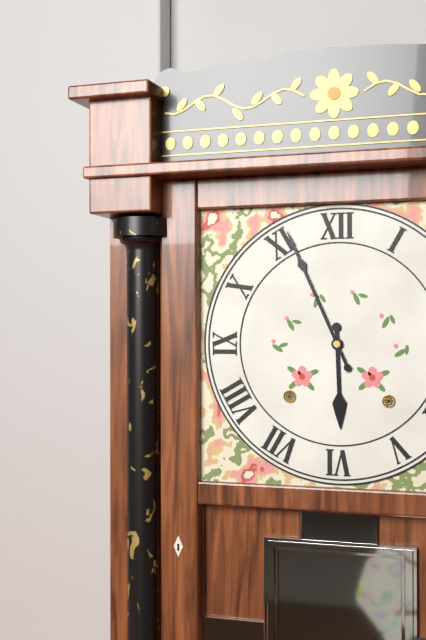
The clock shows **5:56**
